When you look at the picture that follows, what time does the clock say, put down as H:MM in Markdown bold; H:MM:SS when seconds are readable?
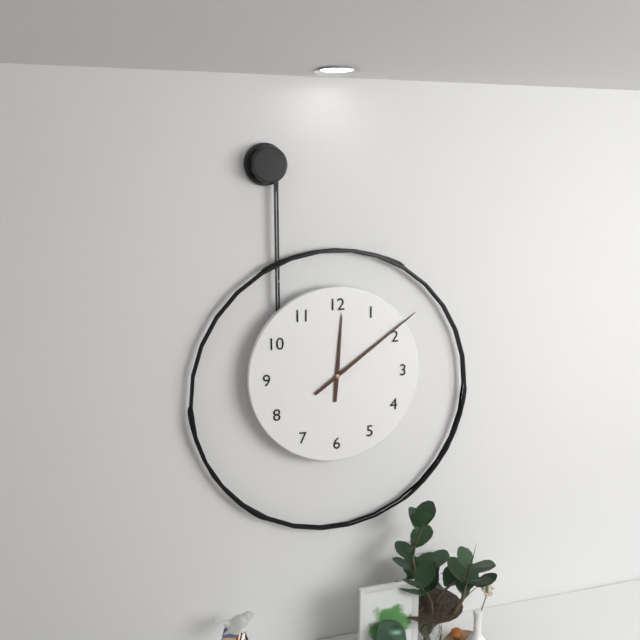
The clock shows **12:09**
